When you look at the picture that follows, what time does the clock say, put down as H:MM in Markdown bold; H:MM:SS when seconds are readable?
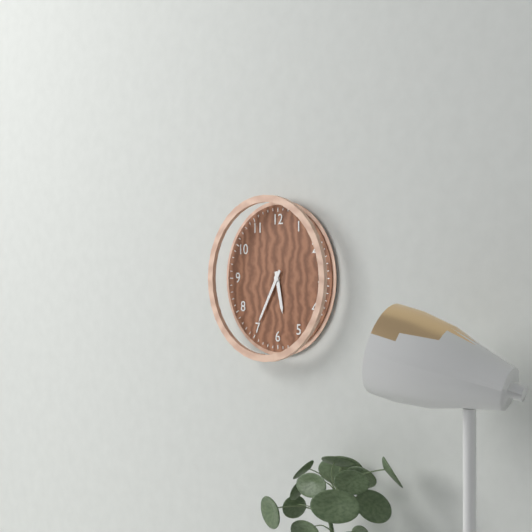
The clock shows **5:35**
